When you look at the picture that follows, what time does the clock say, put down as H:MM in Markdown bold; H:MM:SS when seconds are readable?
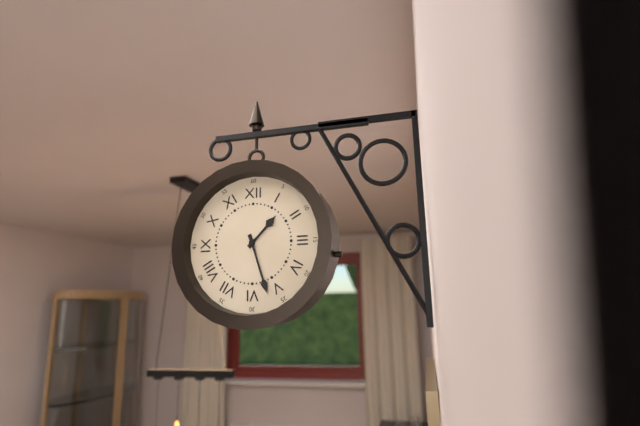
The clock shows **1:27**
